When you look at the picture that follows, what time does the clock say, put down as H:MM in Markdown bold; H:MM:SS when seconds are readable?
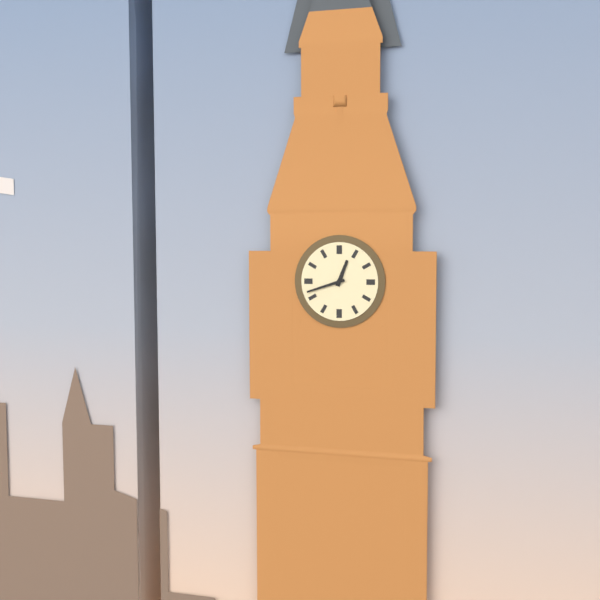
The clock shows **12:42**
